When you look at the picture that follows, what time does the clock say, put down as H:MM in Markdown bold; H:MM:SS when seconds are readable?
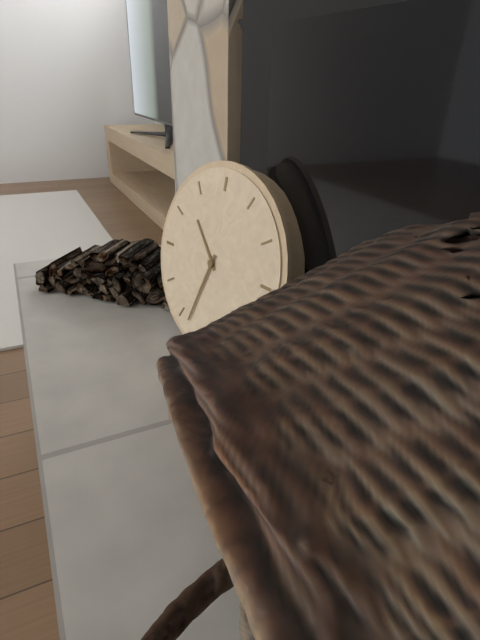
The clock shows **10:33**
